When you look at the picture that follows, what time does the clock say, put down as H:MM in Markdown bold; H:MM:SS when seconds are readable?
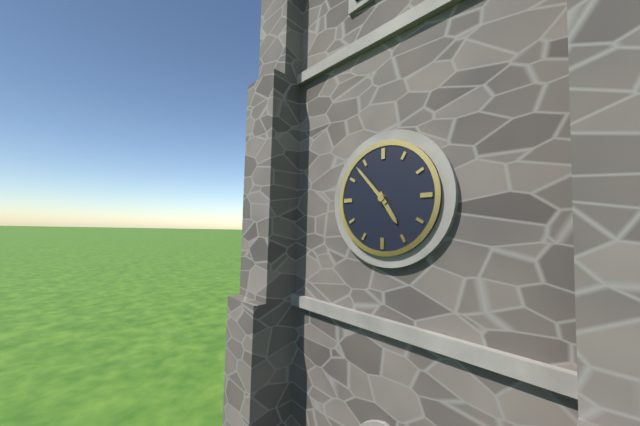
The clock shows **4:53**
